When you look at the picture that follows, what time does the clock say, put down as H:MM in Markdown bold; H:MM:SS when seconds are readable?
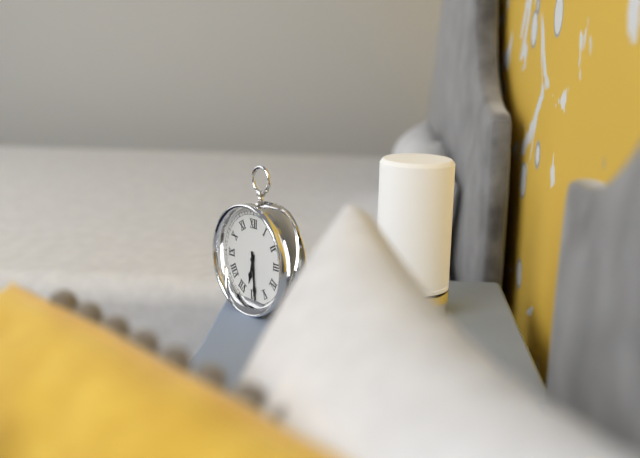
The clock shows **6:29**
